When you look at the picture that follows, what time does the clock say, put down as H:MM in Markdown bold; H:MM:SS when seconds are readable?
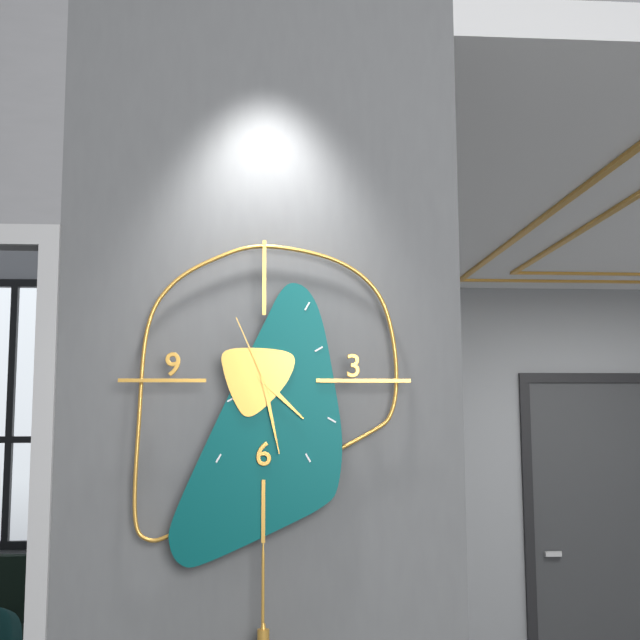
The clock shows **4:28:56**
